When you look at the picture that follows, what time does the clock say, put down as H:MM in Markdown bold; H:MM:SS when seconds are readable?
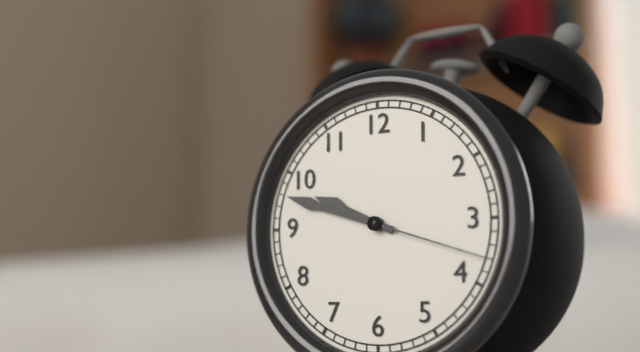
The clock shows **9:48:18**
